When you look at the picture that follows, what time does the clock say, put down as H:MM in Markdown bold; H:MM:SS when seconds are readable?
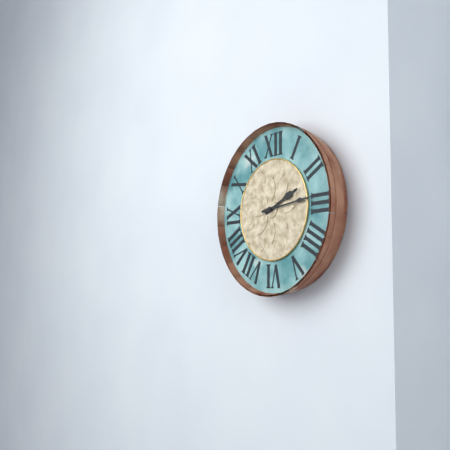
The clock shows **2:14**
